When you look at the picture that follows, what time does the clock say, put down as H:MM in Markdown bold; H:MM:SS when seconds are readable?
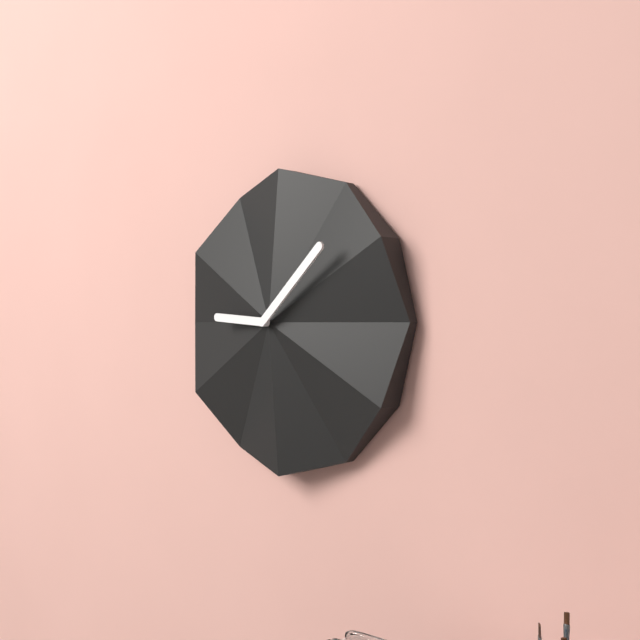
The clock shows **9:08**
